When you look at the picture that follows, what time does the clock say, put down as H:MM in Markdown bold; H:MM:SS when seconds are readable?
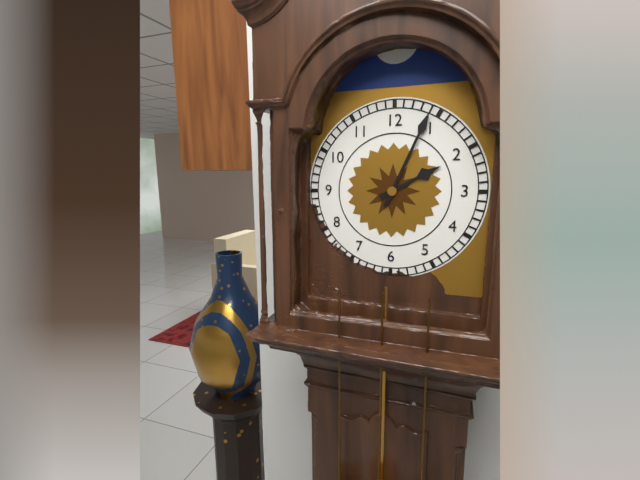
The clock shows **2:04**
